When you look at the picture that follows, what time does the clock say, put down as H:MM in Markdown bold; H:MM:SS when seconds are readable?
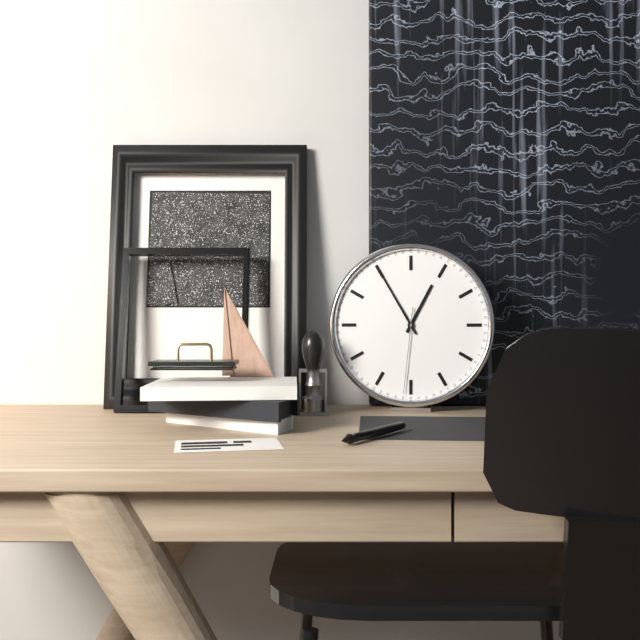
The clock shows **12:55:31**
